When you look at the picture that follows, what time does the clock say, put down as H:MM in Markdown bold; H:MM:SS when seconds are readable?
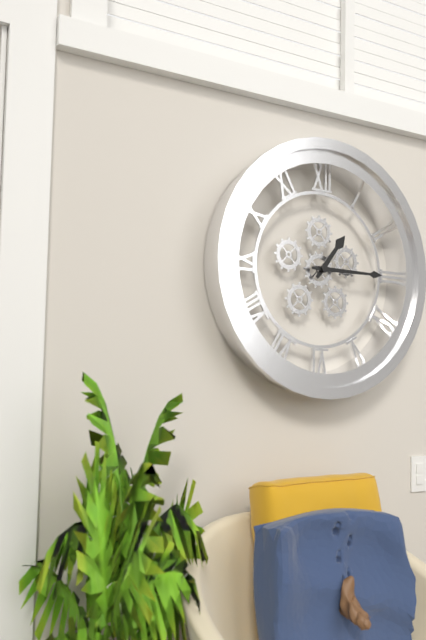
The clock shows **1:15**
